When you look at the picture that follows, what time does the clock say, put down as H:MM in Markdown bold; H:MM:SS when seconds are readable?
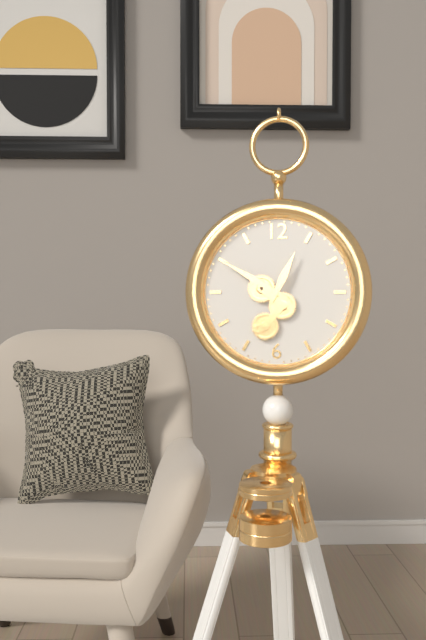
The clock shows **12:50**
